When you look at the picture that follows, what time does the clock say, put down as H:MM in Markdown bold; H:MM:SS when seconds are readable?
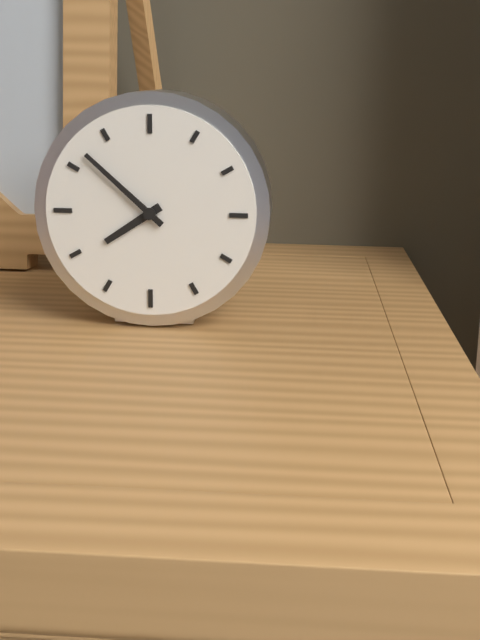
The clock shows **7:52**
